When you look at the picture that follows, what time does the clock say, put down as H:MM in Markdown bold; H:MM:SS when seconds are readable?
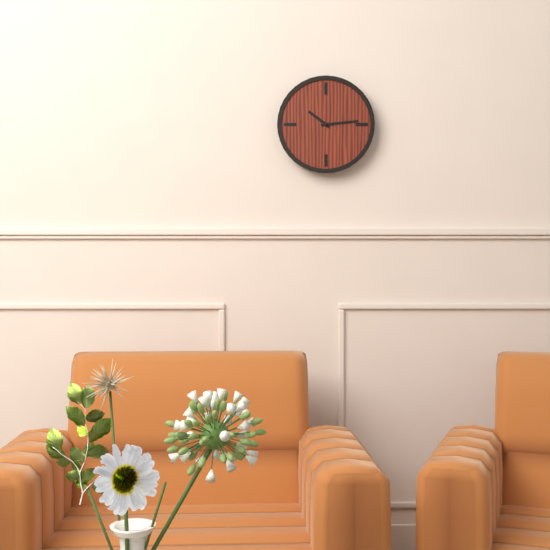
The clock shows **10:14**
